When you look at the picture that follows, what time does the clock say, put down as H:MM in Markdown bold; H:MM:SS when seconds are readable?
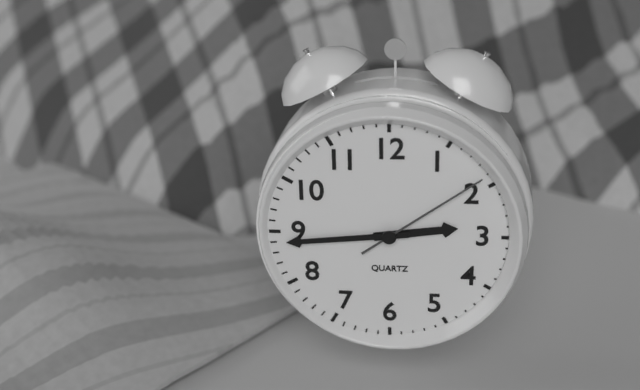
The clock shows **2:44:09**
